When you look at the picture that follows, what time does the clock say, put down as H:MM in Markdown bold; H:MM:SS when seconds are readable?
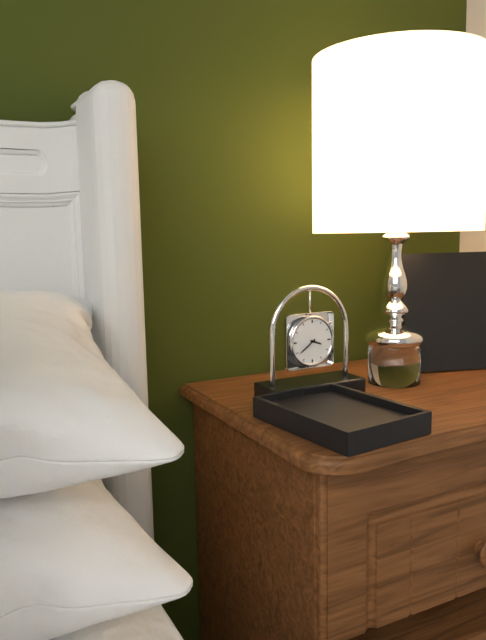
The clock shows **3:39**
